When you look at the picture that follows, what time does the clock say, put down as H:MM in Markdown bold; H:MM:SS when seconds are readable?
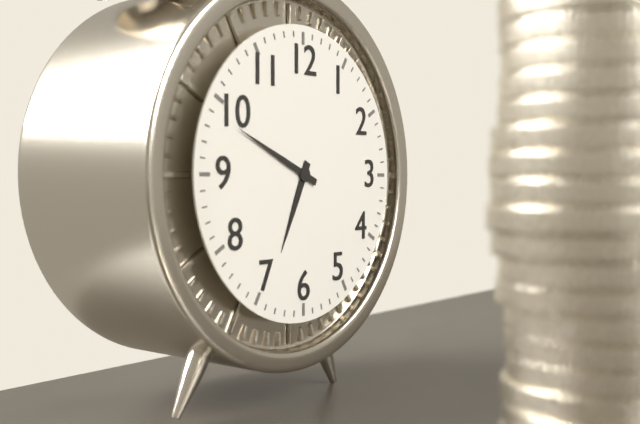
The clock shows **6:49**
